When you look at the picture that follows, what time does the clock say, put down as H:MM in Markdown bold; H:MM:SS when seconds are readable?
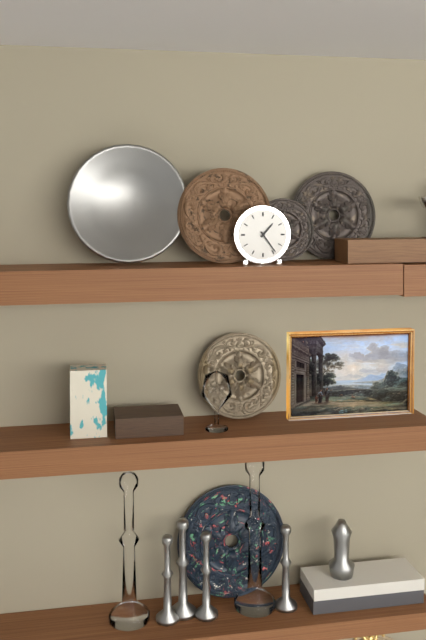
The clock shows **1:24**
